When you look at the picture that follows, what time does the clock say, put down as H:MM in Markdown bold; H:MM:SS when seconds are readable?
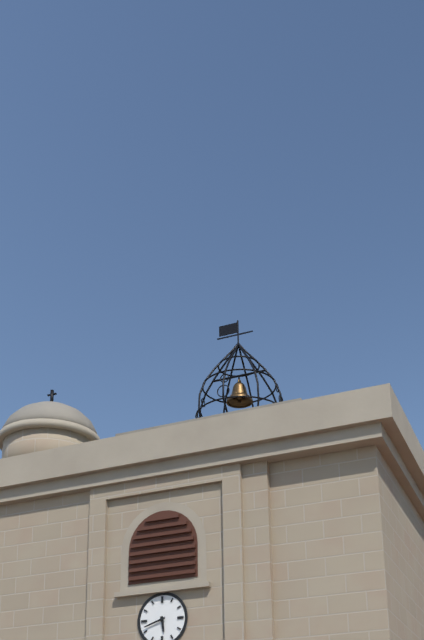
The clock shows **5:42**
